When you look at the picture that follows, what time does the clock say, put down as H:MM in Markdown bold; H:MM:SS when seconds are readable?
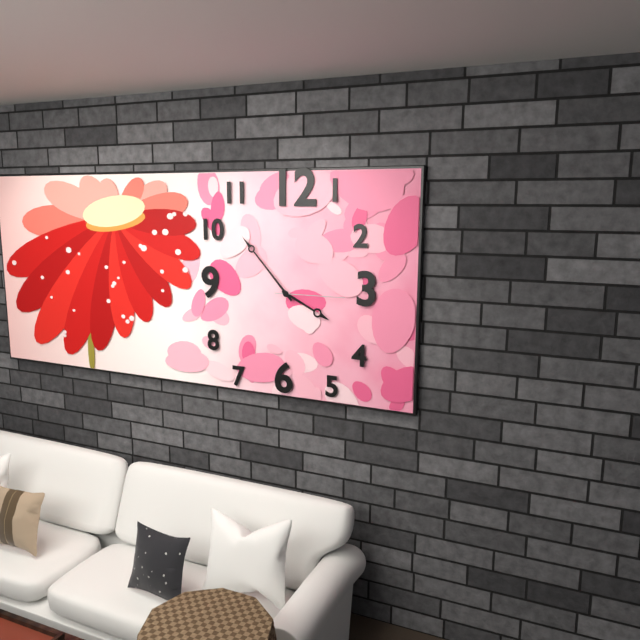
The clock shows **3:53:15**
